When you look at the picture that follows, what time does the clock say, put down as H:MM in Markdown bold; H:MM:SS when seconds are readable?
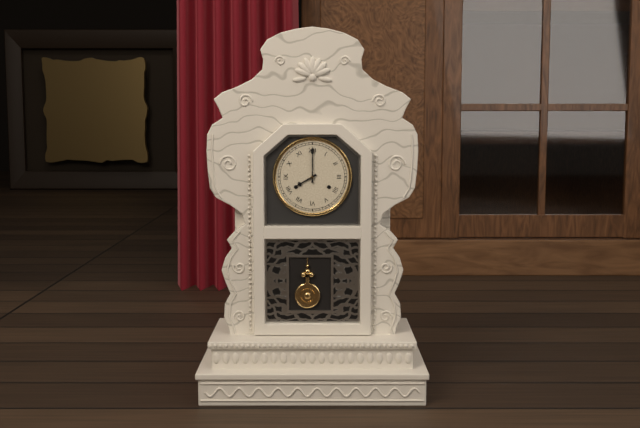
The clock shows **8:00**
